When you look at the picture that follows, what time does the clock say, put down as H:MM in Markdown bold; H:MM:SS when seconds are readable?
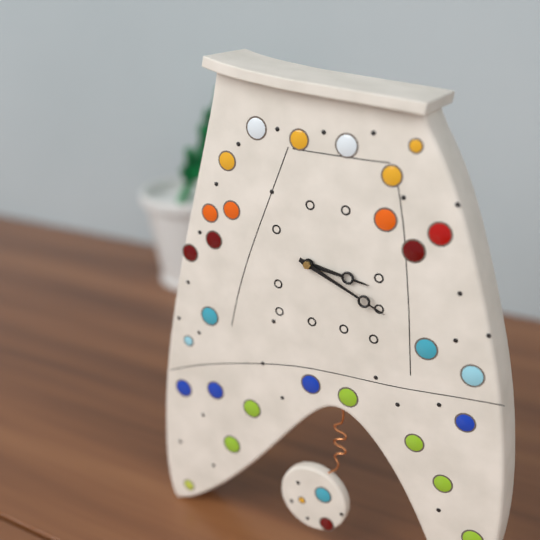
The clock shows **3:19**
